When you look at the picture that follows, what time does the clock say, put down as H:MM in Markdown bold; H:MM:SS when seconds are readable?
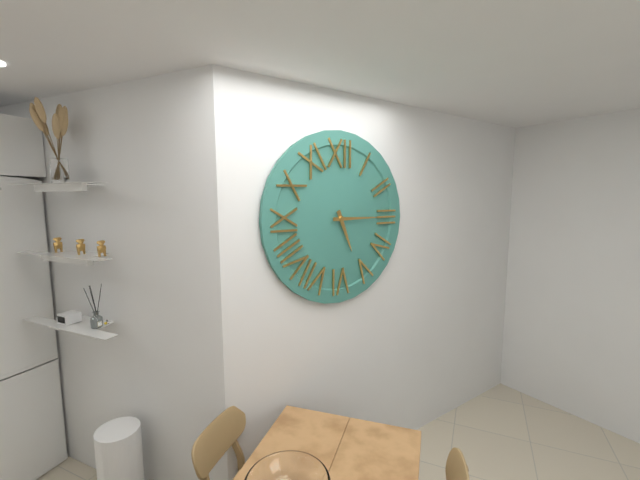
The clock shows **5:15**
